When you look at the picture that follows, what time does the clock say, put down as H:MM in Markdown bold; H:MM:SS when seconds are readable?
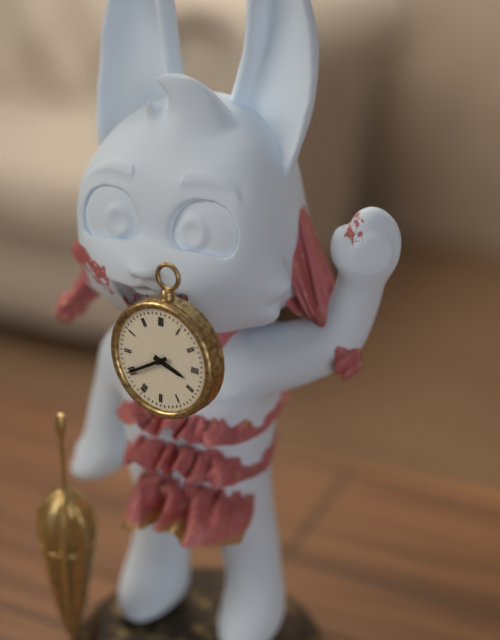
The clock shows **3:40**
